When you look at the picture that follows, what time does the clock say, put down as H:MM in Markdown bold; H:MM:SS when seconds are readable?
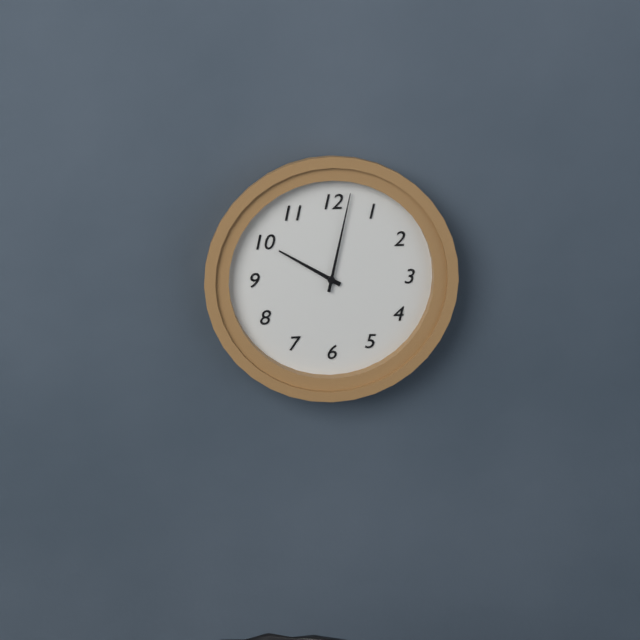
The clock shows **10:02**
